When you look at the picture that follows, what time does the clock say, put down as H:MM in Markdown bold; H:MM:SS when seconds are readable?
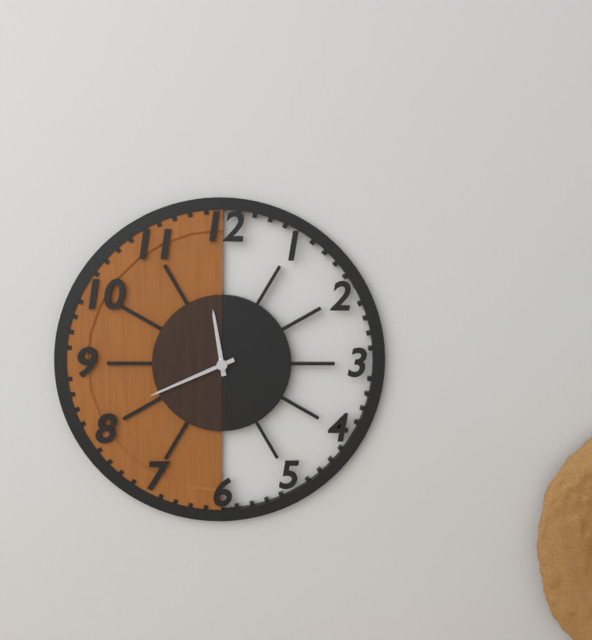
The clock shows **11:41**
